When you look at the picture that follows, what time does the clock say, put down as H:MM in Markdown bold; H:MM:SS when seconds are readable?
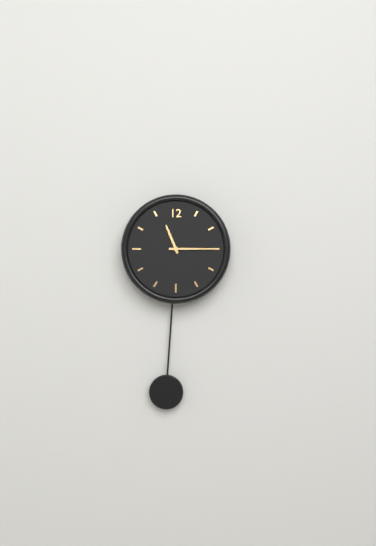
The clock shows **11:15**
